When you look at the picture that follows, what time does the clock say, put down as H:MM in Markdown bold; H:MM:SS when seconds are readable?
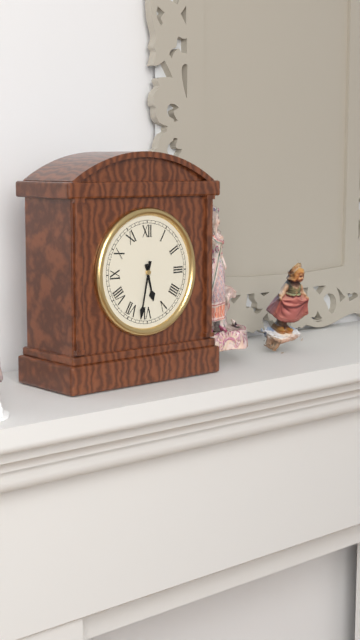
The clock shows **5:32**
